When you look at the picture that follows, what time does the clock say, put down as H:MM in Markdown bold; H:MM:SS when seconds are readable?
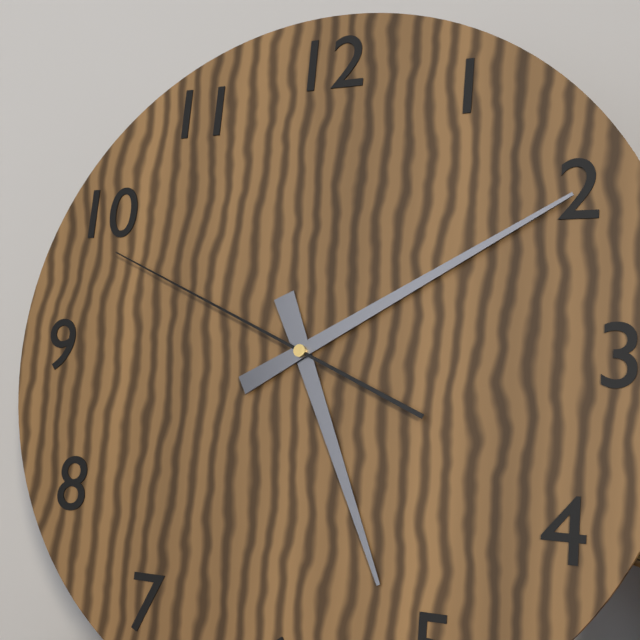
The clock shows **5:10:49**
